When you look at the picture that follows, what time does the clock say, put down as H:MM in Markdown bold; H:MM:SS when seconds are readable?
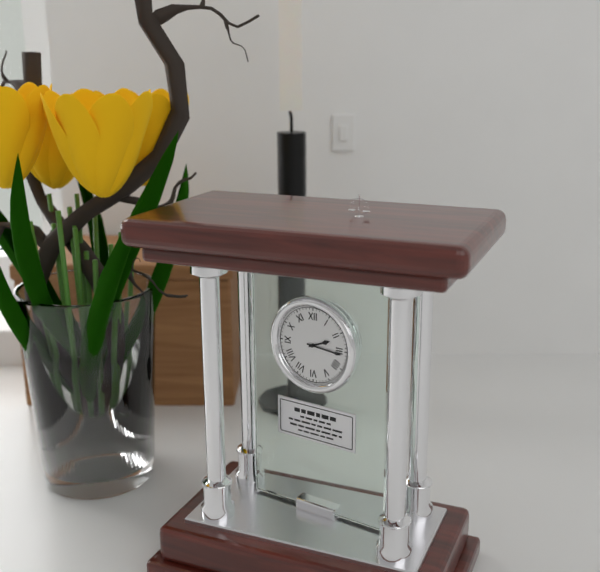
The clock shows **2:16**
